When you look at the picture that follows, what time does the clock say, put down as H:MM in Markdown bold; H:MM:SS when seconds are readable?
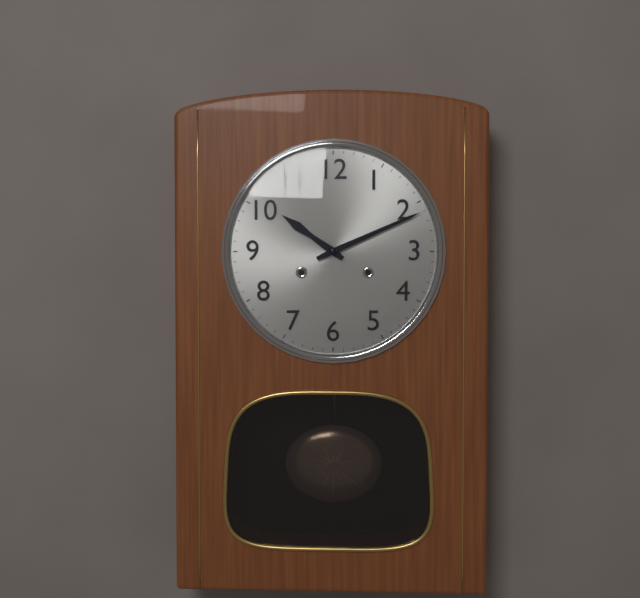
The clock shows **10:11**
